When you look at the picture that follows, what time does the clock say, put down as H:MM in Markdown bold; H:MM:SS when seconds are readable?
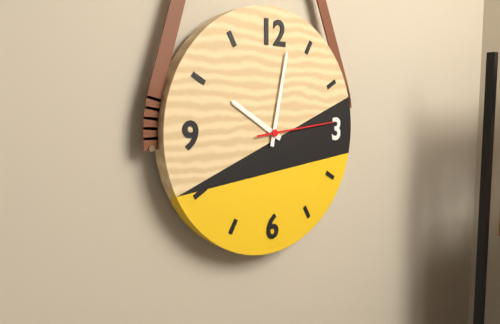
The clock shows **10:02:14**
